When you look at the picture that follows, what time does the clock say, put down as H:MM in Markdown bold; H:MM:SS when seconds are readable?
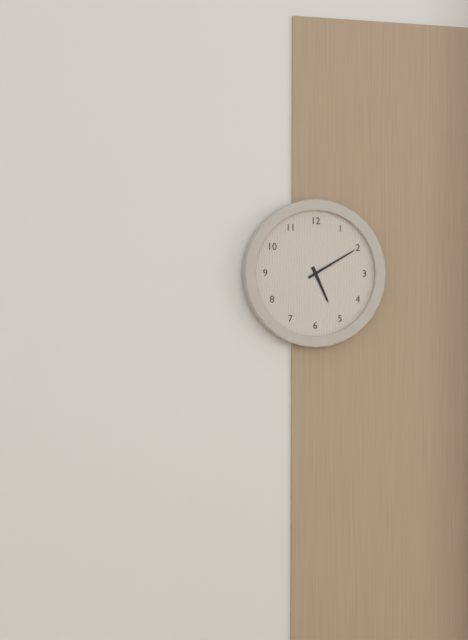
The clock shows **5:10**
